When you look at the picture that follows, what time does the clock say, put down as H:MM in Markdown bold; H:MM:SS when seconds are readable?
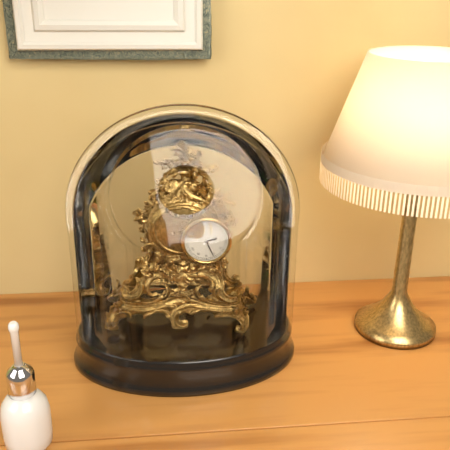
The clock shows **2:26**
